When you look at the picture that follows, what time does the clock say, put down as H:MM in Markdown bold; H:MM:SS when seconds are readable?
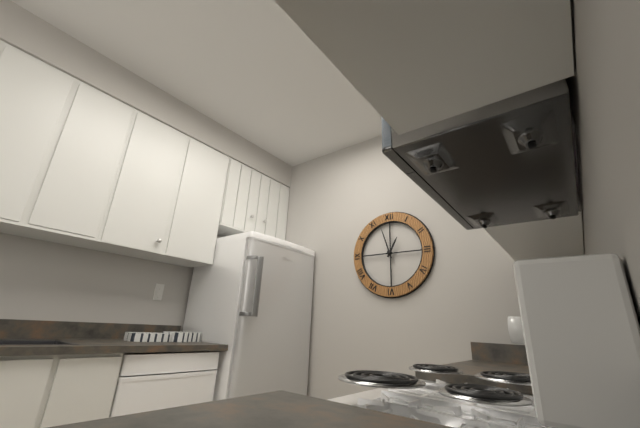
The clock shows **12:57**
